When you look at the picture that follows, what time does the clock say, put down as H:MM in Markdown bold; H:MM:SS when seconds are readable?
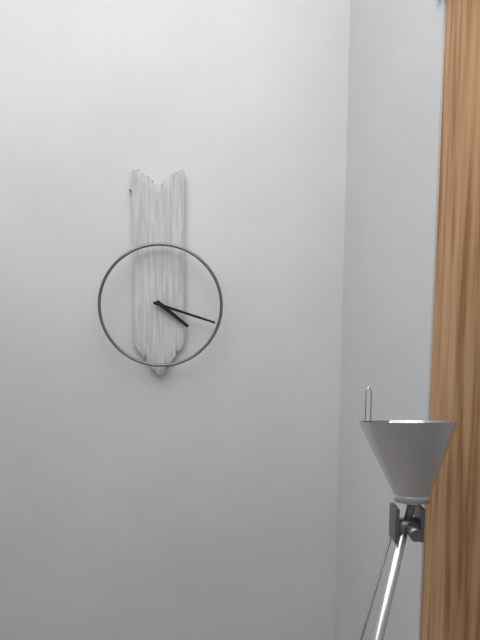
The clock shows **4:18**
